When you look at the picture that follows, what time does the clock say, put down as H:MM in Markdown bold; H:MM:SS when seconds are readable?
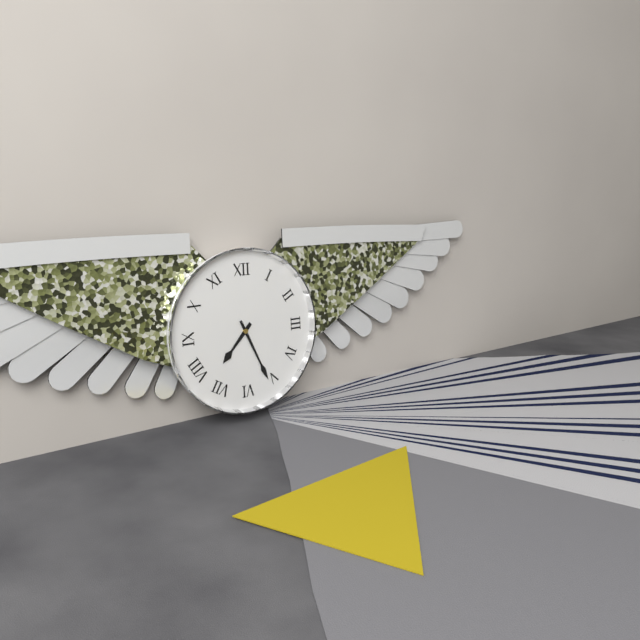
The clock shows **7:26**
